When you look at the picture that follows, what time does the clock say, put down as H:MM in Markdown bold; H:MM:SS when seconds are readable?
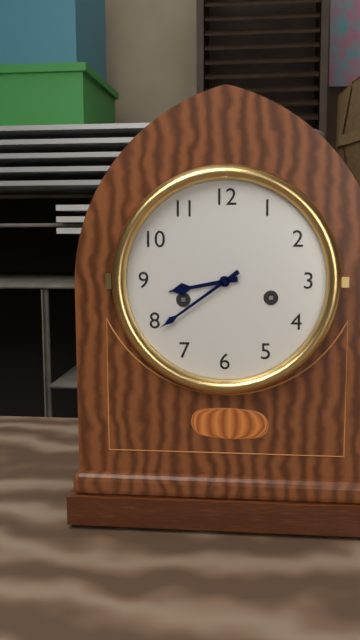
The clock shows **8:39**
